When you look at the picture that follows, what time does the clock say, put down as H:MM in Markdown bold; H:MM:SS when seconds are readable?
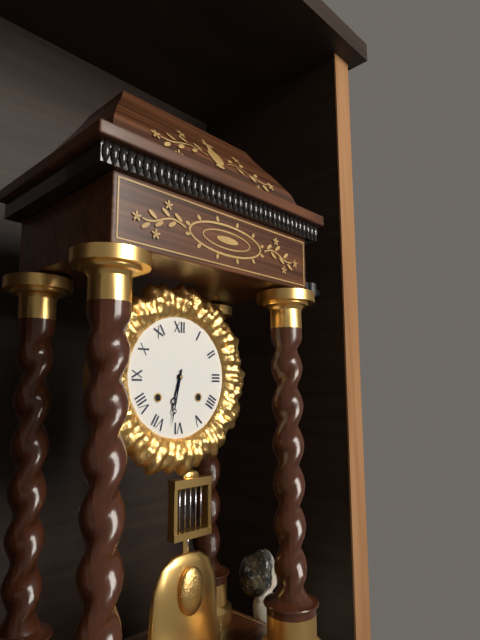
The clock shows **6:32**
